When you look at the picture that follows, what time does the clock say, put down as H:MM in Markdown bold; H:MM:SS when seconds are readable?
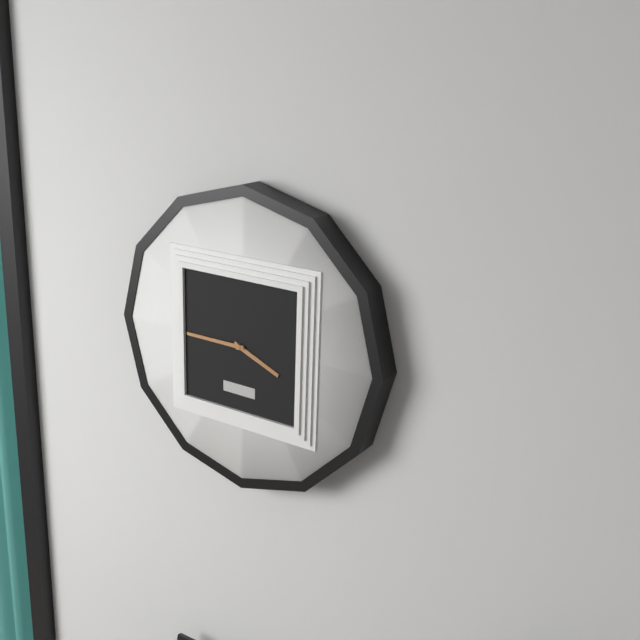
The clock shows **3:45**
